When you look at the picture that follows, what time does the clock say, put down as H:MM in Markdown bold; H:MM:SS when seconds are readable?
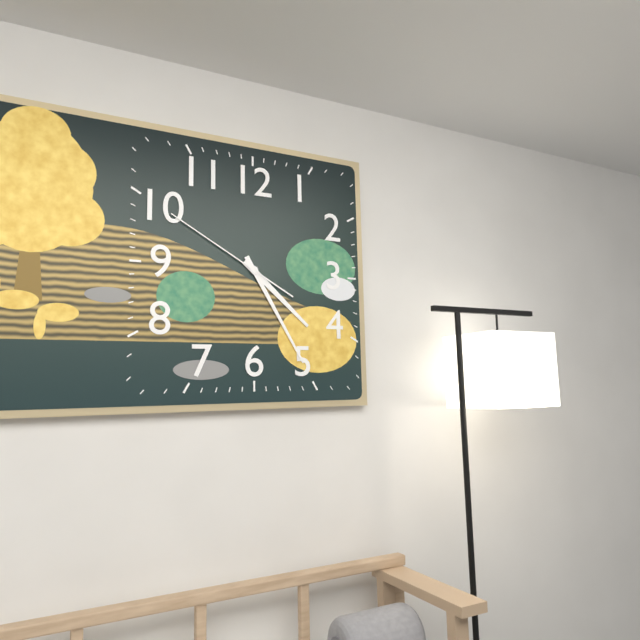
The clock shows **4:25:50**
